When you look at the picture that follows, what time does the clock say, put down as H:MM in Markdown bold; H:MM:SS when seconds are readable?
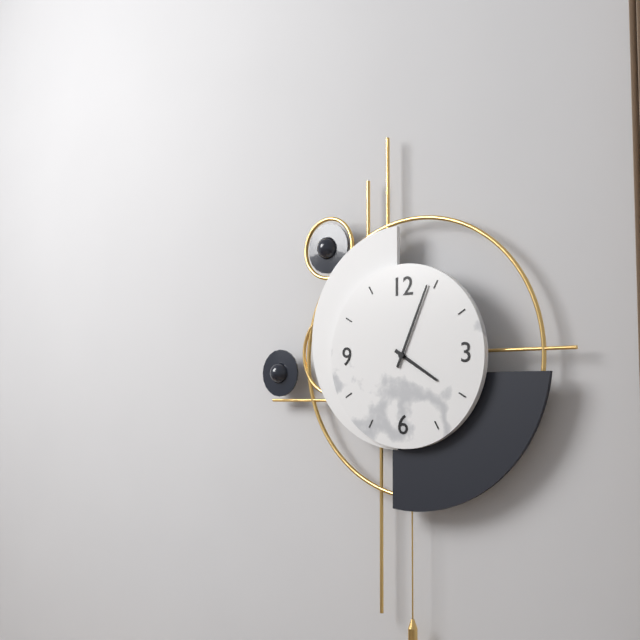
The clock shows **4:04**
